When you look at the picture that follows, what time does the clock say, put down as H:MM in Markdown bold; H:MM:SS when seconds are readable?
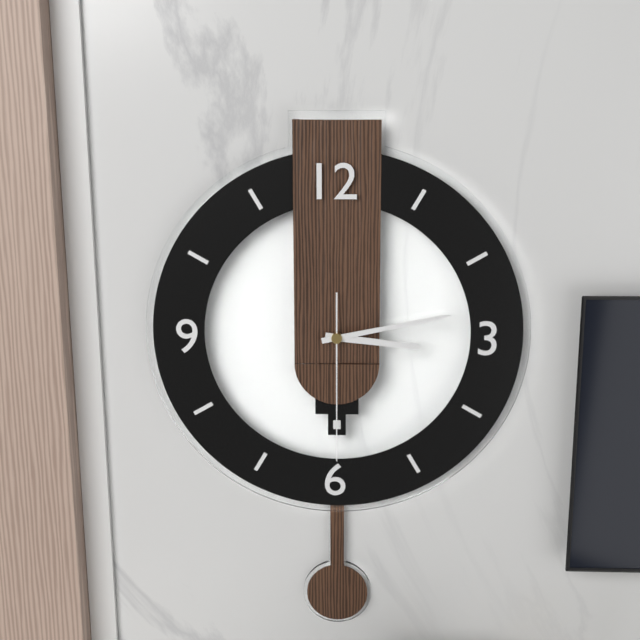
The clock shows **3:13:30**
